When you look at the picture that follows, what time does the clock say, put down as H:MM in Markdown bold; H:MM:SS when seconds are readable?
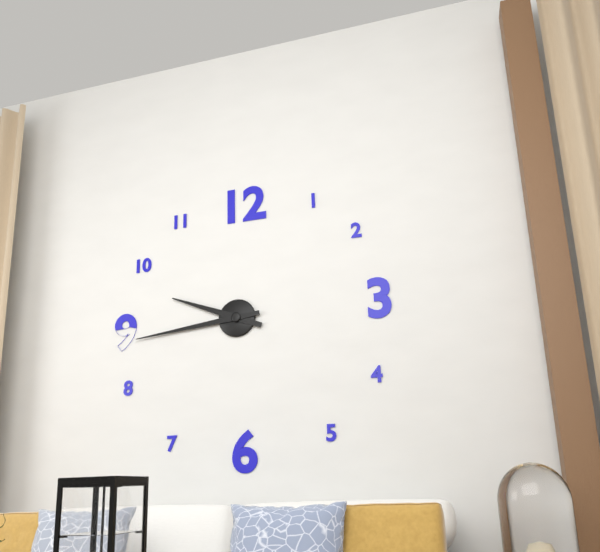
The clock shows **9:44**
